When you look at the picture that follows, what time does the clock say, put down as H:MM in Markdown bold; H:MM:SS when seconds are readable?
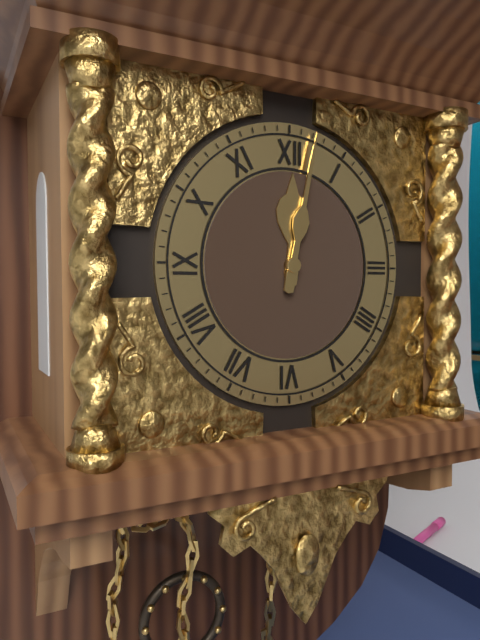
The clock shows **12:02**
